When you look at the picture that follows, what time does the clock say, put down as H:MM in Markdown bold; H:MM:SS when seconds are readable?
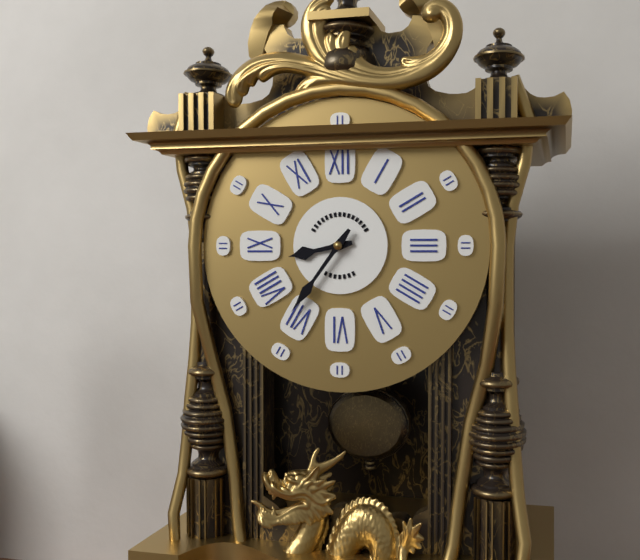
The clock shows **8:36**
